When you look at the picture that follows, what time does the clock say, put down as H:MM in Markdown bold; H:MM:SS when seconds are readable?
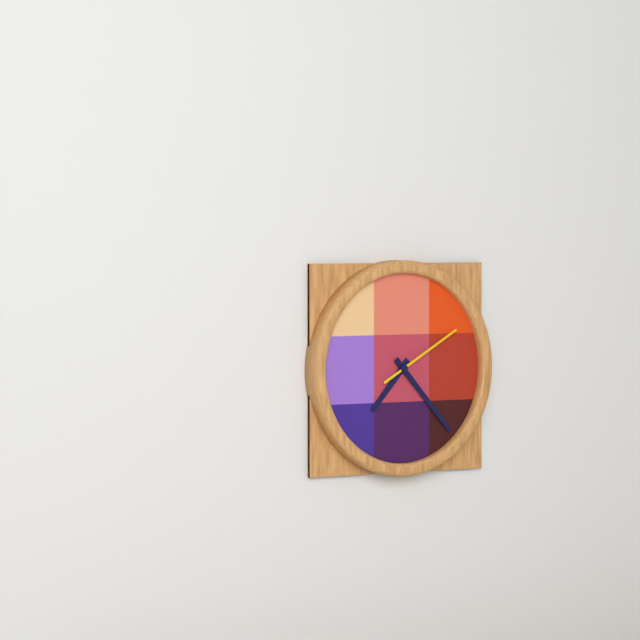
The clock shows **7:23:10**
